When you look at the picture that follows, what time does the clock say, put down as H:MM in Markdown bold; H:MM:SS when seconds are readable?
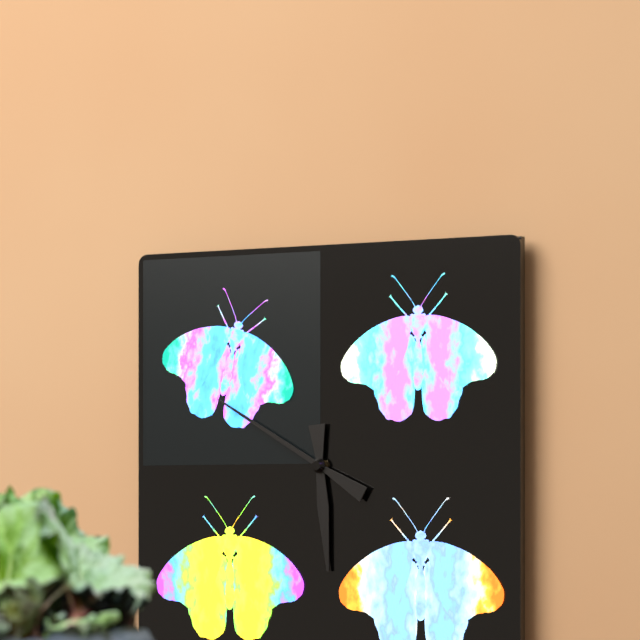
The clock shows **5:50**
